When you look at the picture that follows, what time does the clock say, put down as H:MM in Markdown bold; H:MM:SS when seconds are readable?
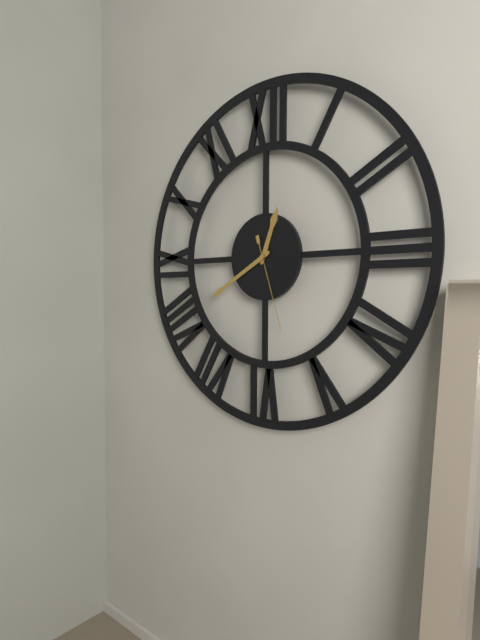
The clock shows **12:40:27**
